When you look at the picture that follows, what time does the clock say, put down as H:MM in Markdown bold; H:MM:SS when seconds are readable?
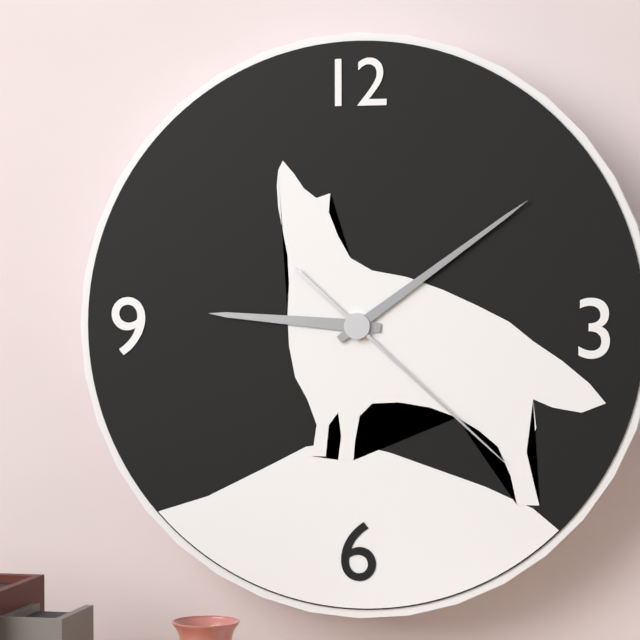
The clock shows **9:09:22**
